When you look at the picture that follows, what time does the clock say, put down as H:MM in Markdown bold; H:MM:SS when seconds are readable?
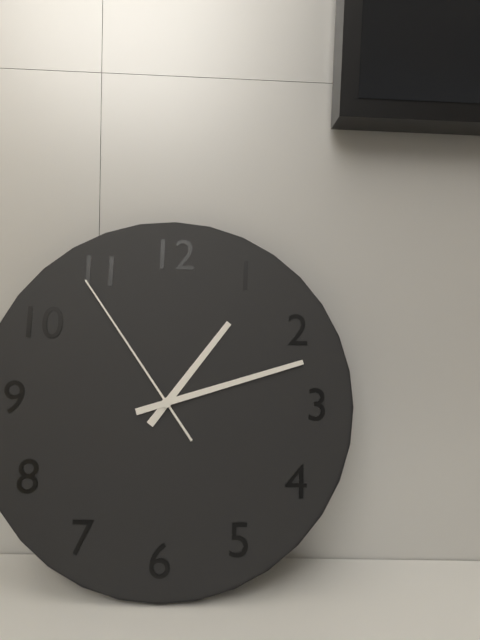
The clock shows **1:12:54**
